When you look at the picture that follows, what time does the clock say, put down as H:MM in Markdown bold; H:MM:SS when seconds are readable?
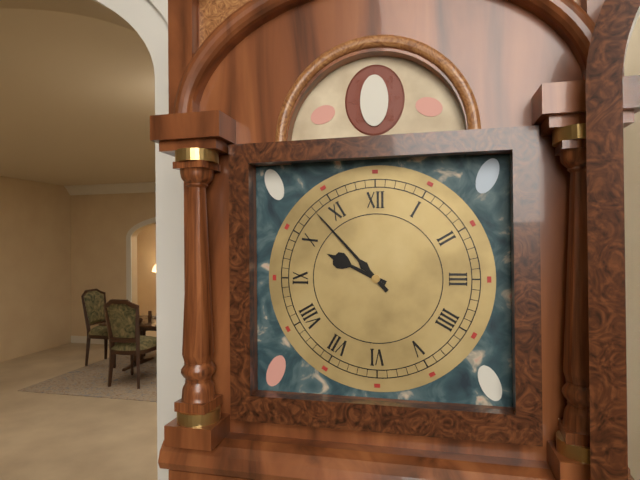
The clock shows **9:53**
